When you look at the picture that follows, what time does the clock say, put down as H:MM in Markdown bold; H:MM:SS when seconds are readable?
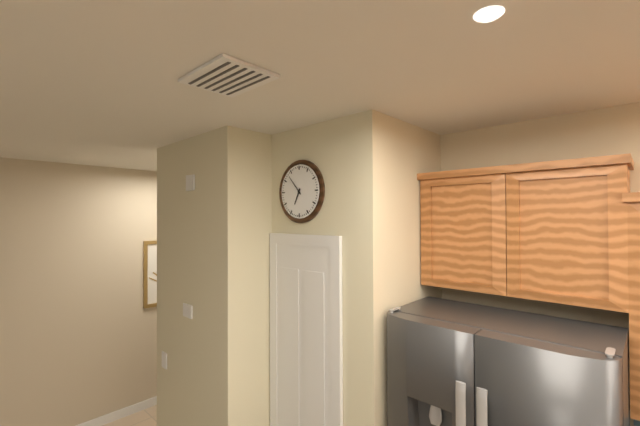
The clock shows **6:53**
